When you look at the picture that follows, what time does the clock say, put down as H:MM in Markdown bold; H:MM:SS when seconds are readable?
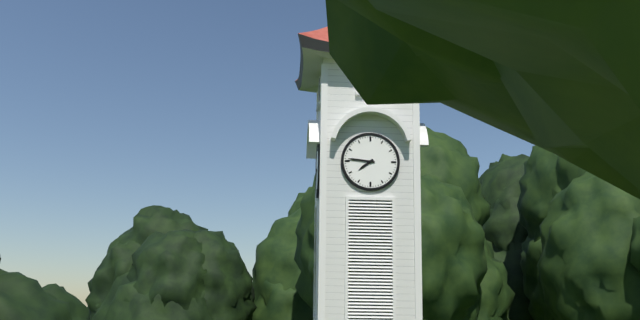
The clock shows **7:46**
